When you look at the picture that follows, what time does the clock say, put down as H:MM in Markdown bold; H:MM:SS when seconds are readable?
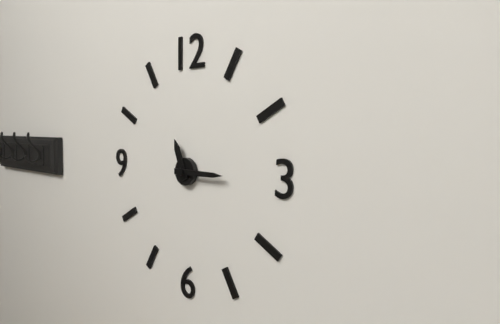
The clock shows **11:15**
